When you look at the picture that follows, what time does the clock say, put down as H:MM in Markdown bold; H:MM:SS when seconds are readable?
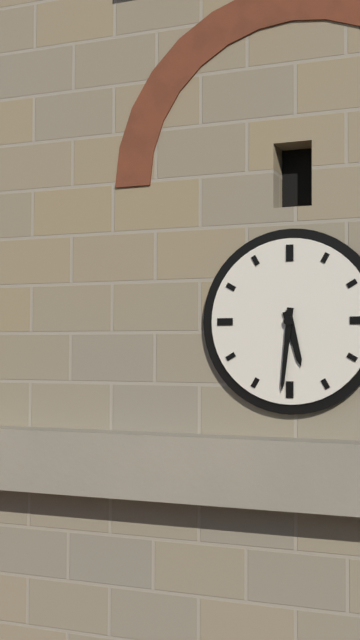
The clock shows **5:31**
